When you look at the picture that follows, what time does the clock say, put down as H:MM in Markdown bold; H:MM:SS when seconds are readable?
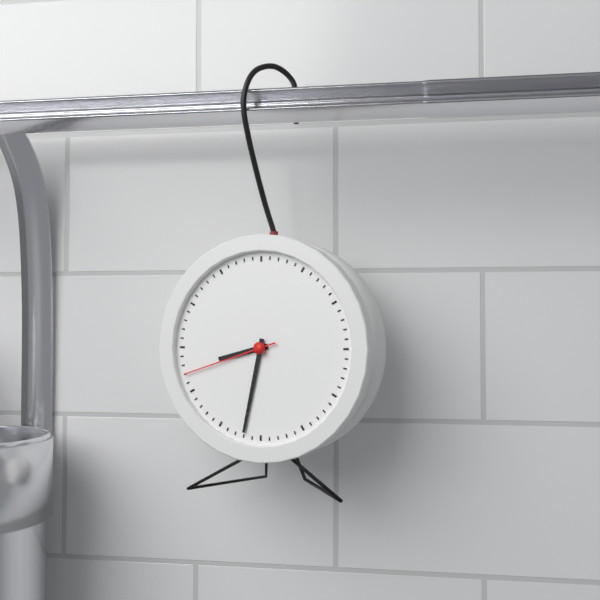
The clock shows **8:32:42**
